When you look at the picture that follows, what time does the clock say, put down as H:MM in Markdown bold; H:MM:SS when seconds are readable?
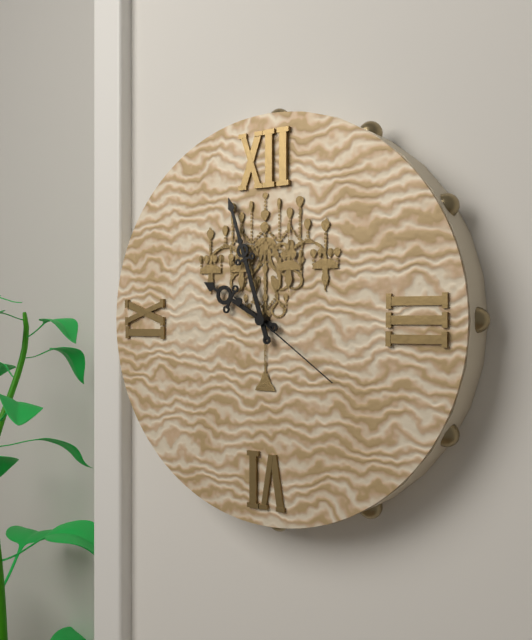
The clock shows **9:57:21**
